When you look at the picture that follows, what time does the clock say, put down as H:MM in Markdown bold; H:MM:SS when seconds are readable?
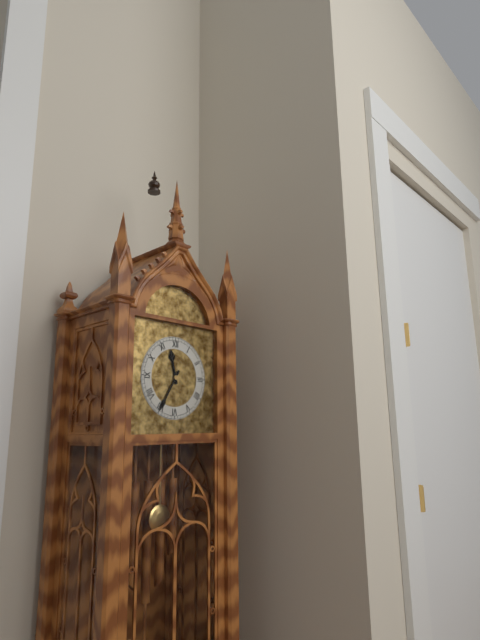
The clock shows **11:35**
